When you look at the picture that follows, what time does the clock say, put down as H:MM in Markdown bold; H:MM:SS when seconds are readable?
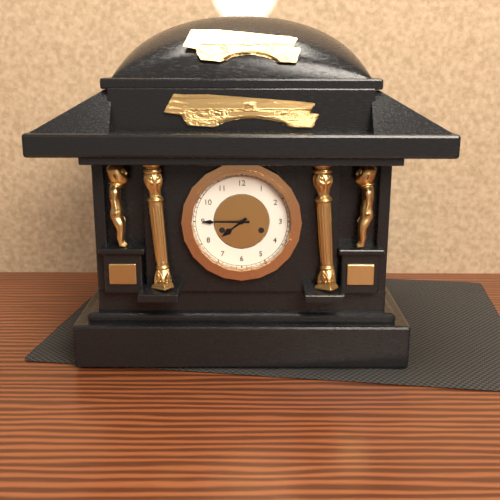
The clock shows **7:45**
